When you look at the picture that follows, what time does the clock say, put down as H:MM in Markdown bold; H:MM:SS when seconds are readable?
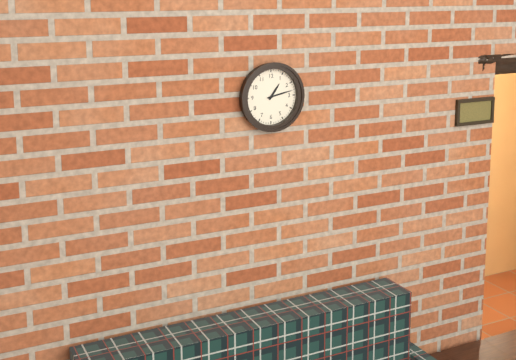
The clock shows **1:13**
